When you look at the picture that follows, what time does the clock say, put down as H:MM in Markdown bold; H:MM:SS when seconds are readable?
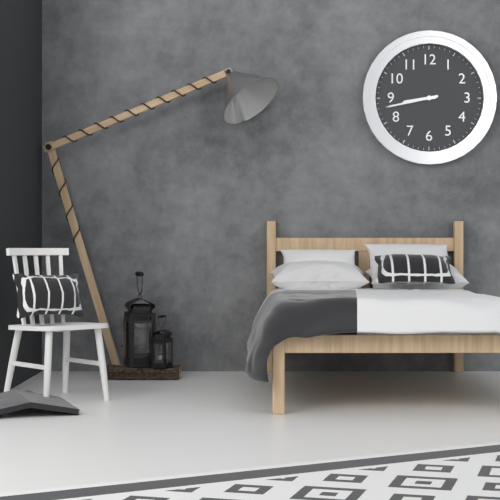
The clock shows **8:43**
